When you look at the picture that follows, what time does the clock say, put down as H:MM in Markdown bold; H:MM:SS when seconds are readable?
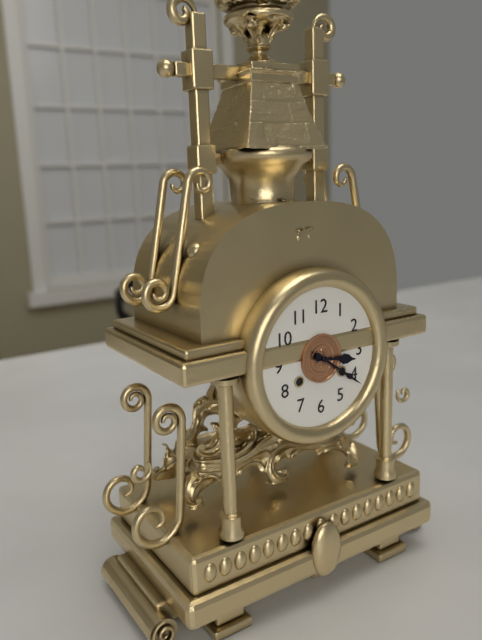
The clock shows **3:21**
